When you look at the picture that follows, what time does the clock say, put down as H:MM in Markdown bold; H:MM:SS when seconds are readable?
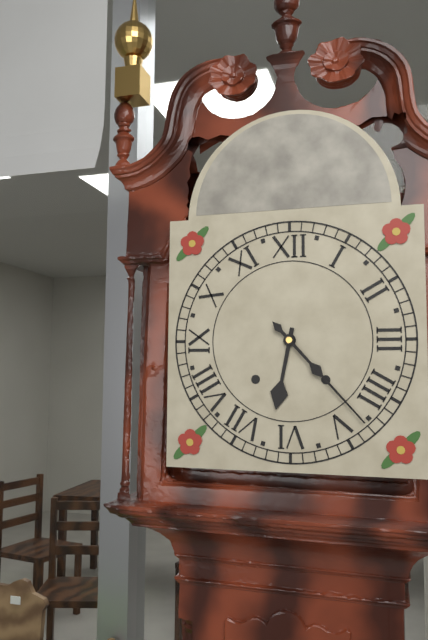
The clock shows **6:23**
